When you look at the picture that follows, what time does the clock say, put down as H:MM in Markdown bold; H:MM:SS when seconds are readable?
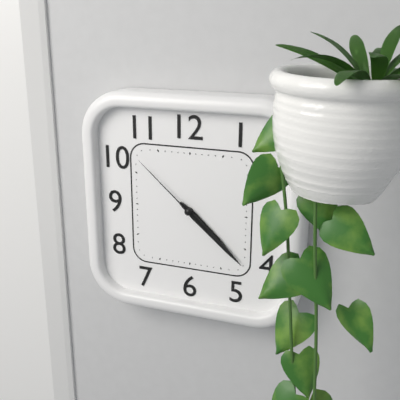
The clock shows **4:22:52**
